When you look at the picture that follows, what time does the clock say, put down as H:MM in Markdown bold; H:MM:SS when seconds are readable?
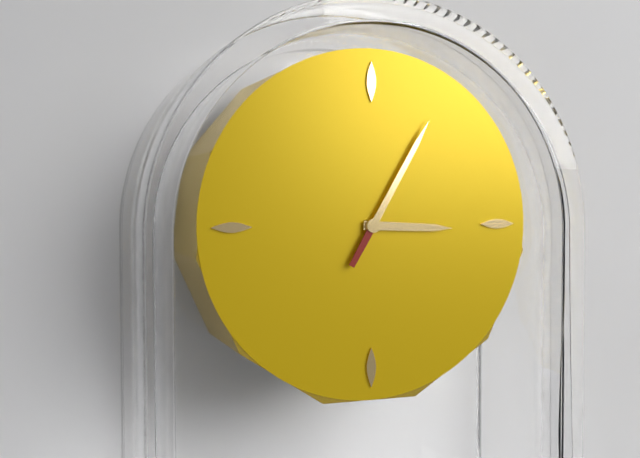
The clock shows **3:05**
